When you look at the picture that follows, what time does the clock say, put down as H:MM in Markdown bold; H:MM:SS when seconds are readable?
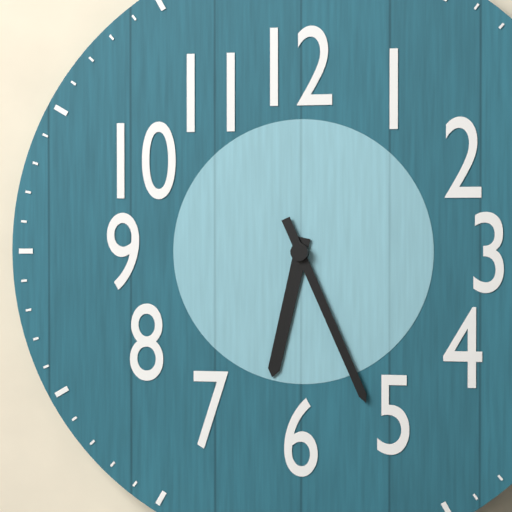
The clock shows **6:26**
